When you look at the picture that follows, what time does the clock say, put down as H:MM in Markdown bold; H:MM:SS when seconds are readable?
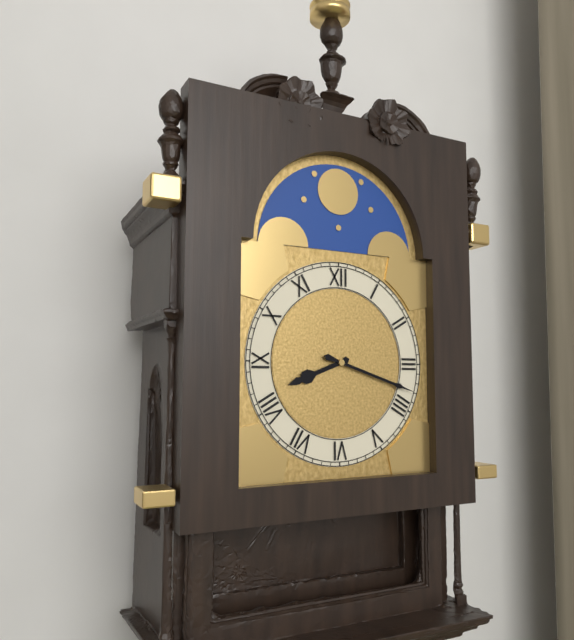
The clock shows **8:18**
